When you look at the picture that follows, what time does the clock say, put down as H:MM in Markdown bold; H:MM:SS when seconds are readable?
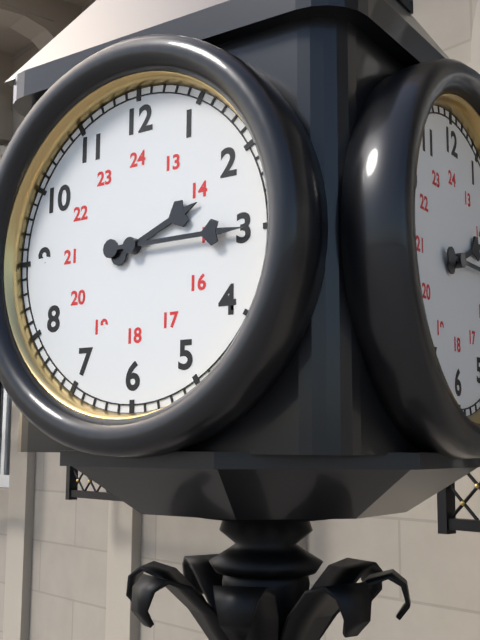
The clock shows **2:15**
